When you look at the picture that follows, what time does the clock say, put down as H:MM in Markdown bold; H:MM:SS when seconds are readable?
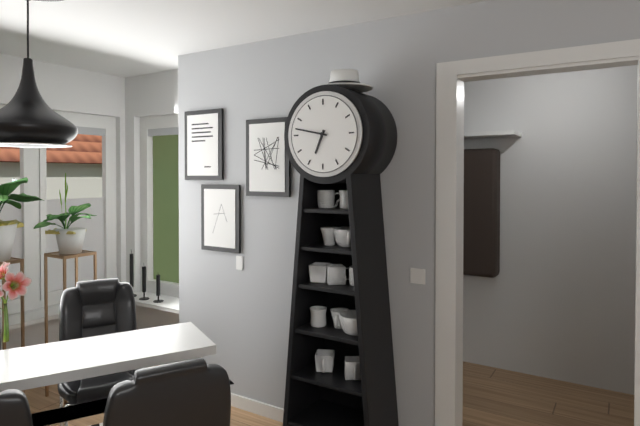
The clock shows **6:47**
